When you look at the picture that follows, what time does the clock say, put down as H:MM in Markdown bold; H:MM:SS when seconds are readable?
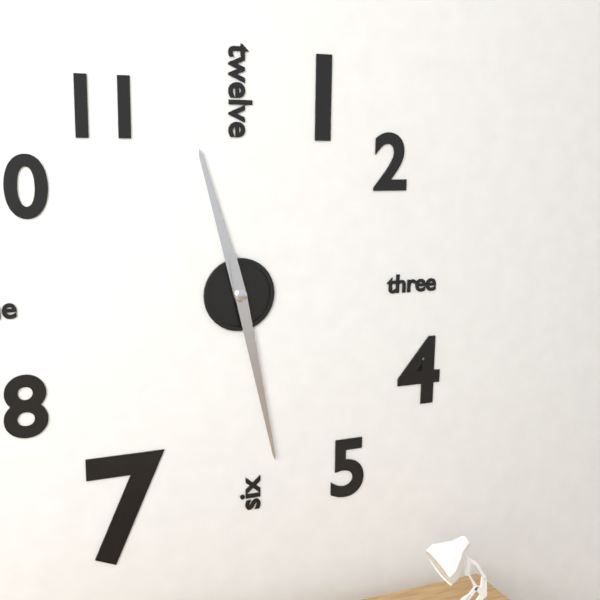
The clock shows **11:28**
